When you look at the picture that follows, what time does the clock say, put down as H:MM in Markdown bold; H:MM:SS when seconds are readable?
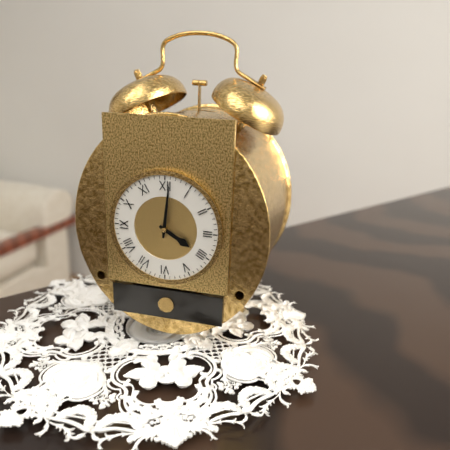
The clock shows **4:01**
